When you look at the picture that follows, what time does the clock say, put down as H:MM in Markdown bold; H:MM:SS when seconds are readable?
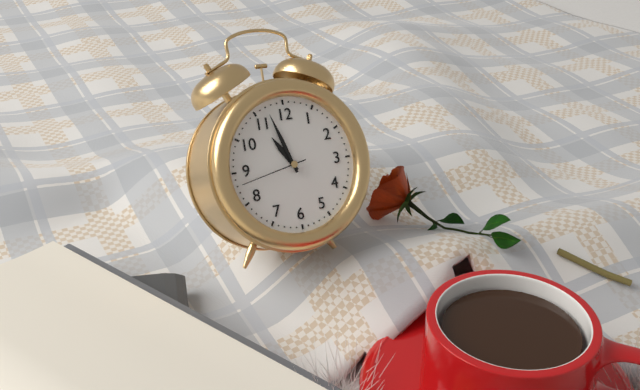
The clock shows **10:57:43**
